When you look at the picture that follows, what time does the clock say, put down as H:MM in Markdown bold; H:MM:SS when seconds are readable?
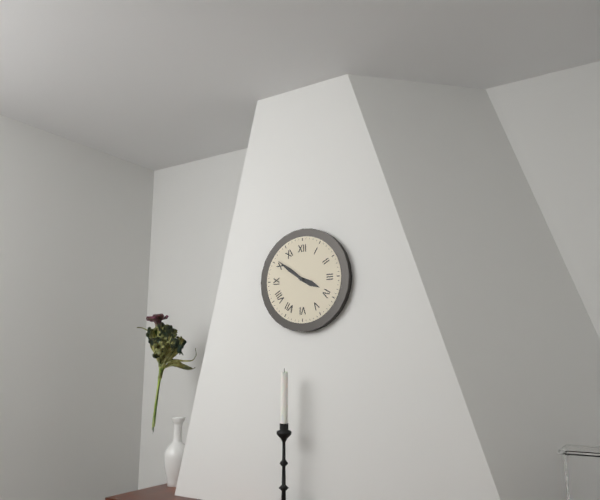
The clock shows **3:51**
